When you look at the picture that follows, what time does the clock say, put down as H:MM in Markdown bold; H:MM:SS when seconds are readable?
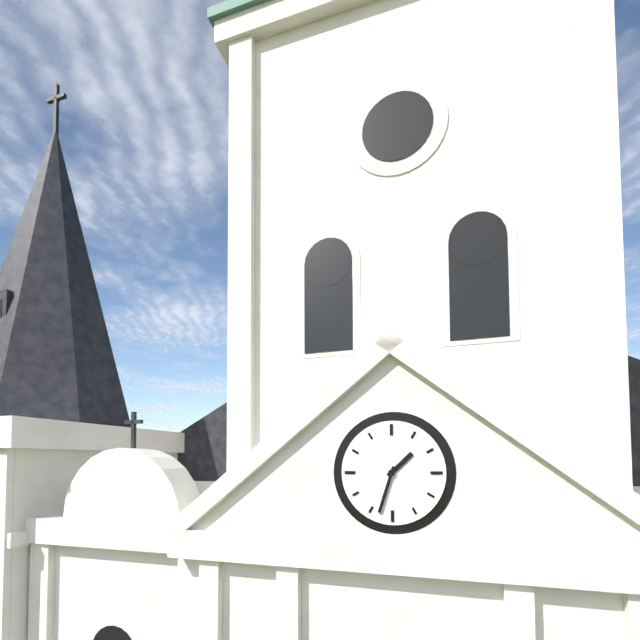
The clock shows **1:33**
